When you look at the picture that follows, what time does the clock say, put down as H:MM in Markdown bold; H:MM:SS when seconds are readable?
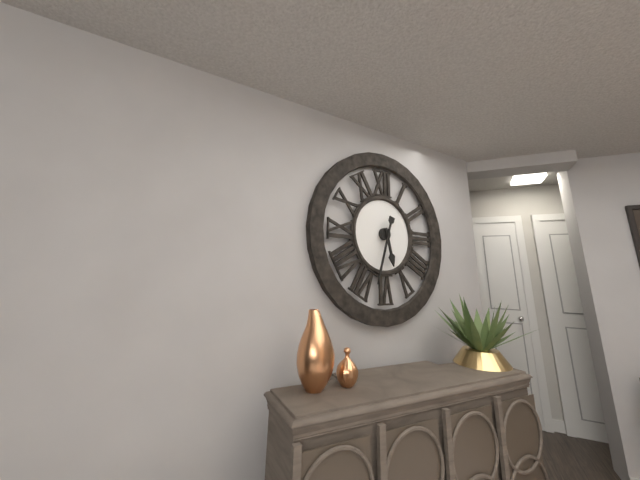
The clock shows **5:33**
